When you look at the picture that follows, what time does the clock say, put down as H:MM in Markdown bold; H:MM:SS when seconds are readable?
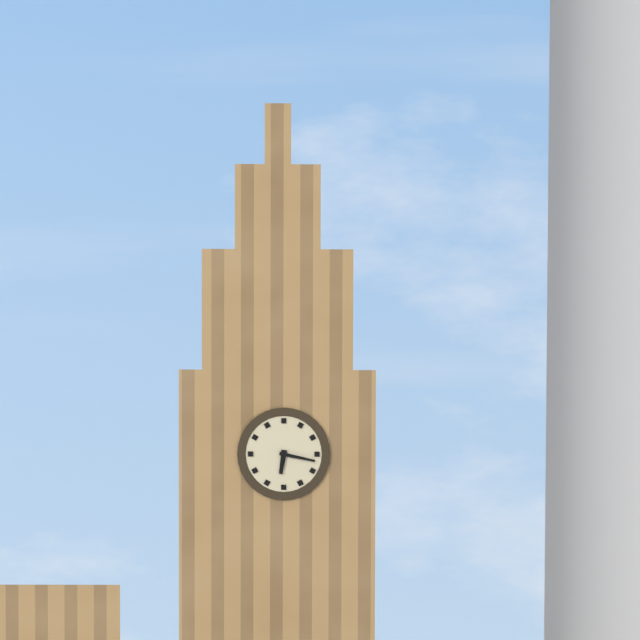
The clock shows **6:17**
